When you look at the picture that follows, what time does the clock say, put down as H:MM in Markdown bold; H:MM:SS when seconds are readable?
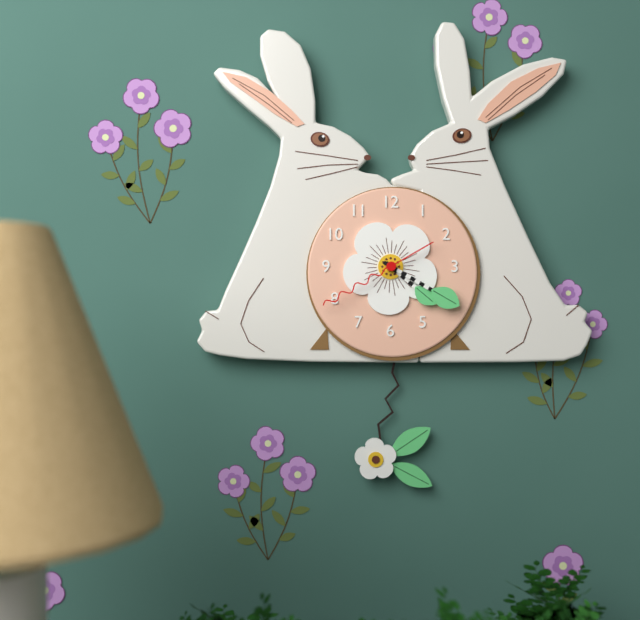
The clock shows **4:20:40**
